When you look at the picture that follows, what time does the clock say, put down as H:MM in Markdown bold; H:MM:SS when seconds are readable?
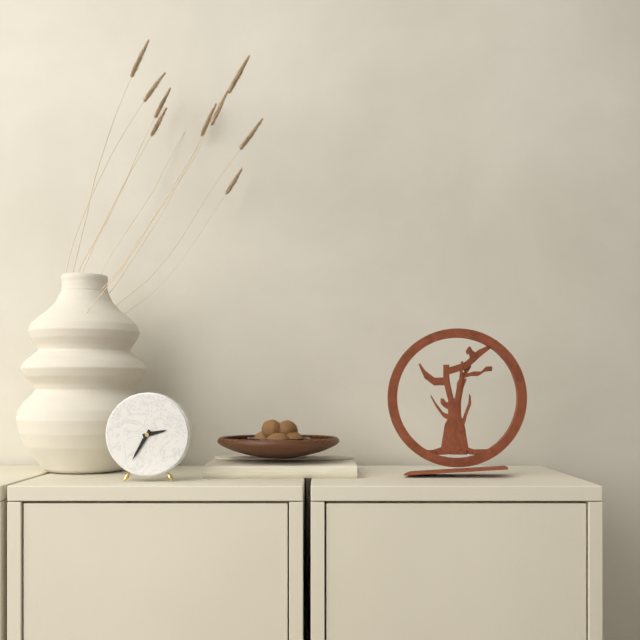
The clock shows **2:35**
